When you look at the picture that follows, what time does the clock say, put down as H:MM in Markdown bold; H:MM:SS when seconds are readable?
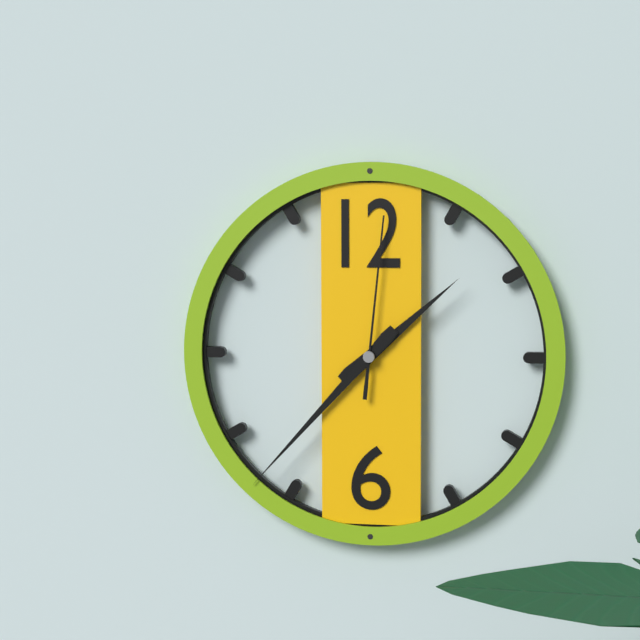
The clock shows **1:37:01**
